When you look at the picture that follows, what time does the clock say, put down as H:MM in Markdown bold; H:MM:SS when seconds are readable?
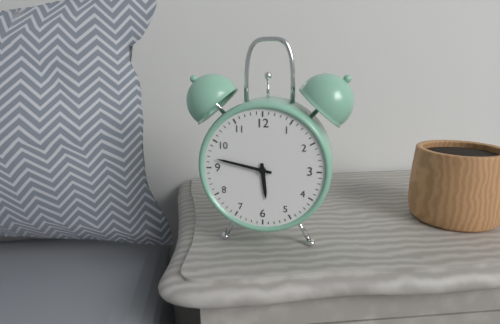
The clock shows **5:47**
